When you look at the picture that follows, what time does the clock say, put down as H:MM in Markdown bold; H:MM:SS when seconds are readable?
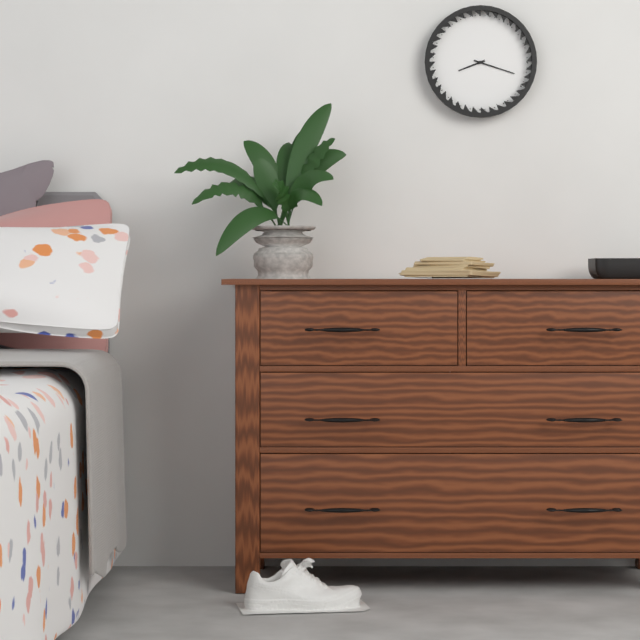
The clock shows **8:18**
